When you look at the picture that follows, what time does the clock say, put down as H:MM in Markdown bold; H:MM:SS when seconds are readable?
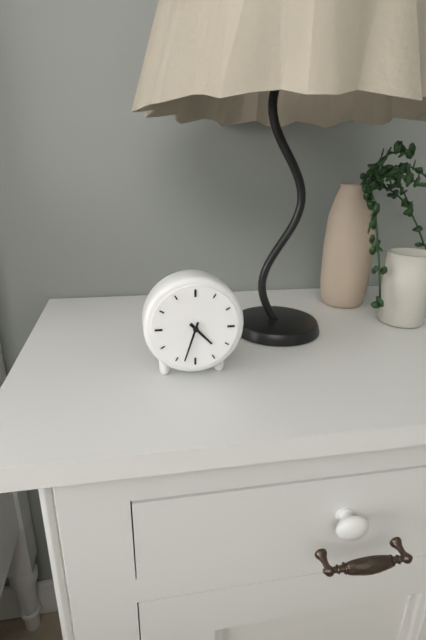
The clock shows **4:33**
